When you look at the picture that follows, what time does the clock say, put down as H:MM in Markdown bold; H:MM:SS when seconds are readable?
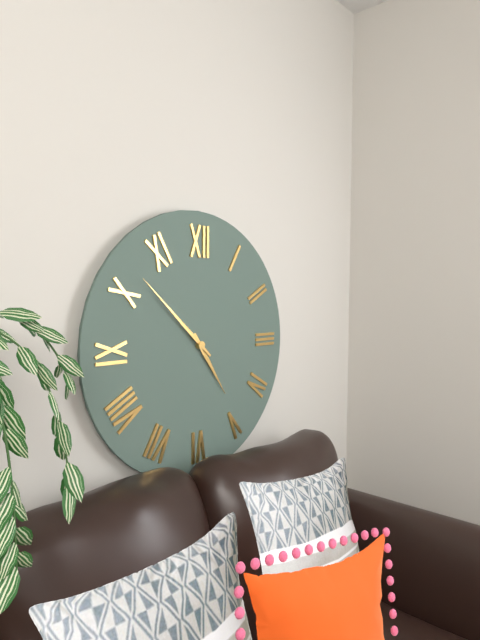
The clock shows **4:52**
